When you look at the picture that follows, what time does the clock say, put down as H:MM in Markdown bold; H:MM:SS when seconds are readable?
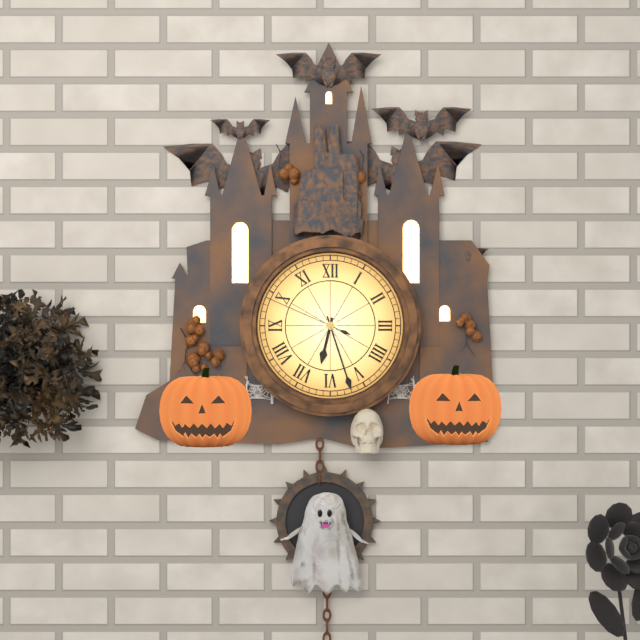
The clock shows **6:27:49**
